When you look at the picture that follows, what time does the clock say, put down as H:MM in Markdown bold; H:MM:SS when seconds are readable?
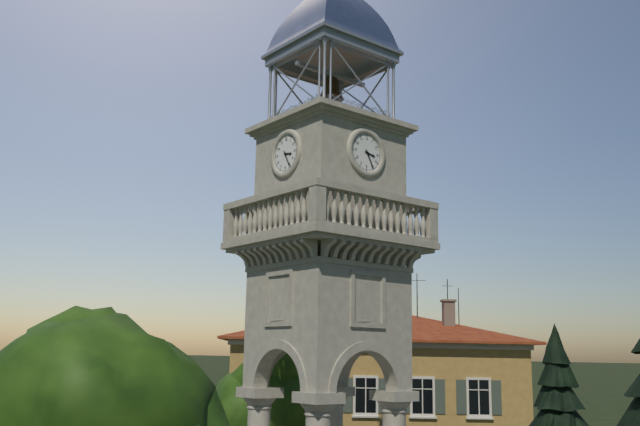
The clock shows **3:25**
